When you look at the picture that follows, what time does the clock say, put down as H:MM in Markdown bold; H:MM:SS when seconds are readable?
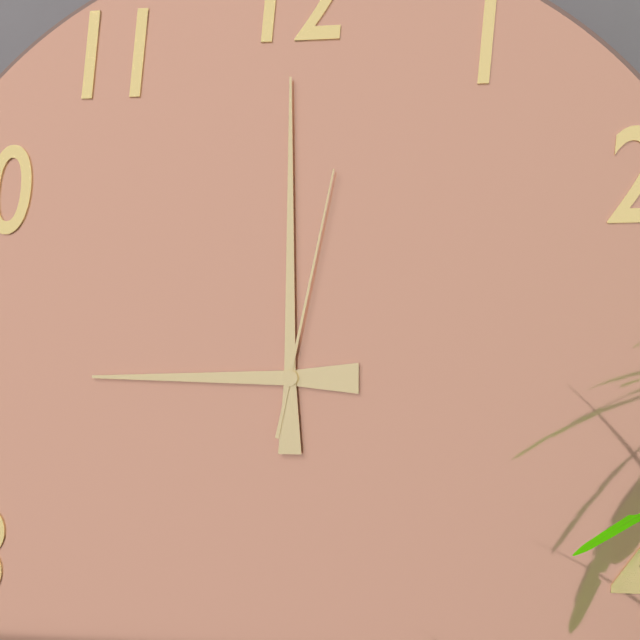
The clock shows **9:00:02**
